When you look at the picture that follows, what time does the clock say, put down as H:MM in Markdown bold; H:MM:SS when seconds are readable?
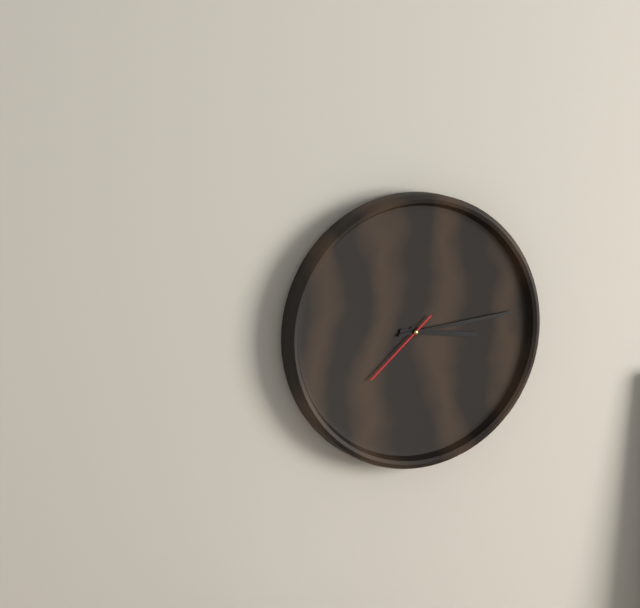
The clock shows **3:14:38**
